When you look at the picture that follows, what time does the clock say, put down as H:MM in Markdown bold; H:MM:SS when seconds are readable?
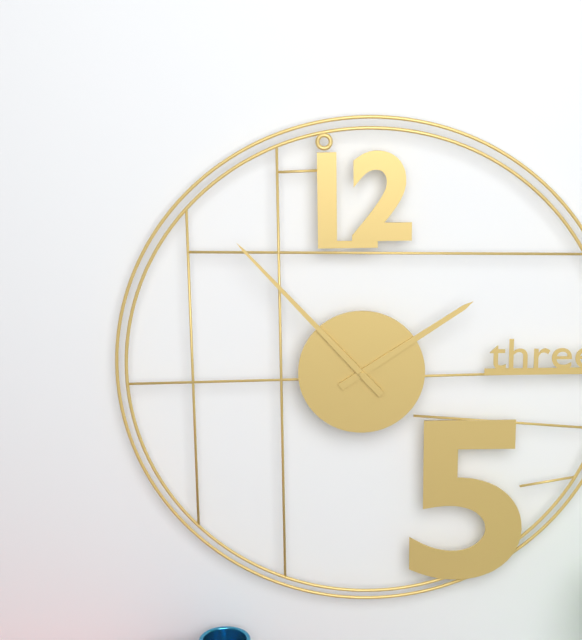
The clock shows **1:53**
